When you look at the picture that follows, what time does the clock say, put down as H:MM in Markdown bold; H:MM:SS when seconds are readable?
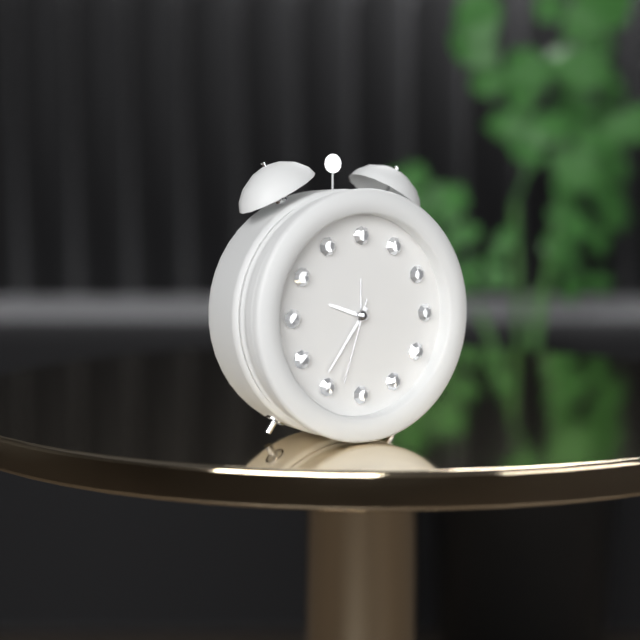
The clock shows **9:36:33**
